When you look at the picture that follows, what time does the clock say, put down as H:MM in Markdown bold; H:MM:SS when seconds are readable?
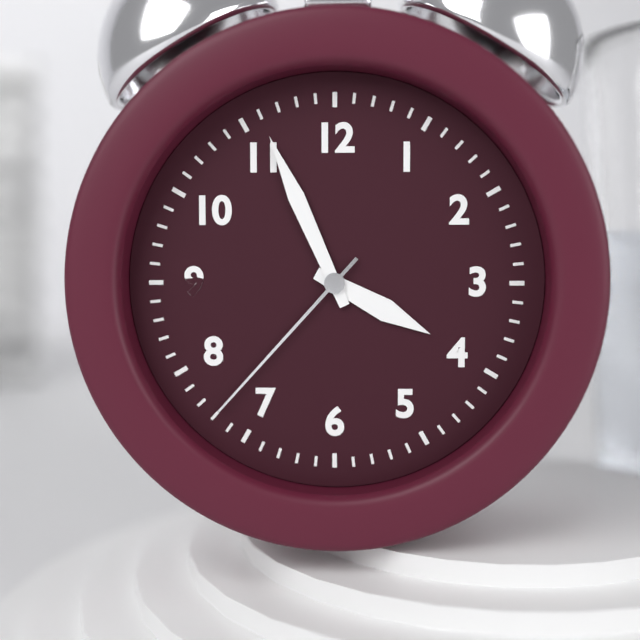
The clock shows **3:56:37**
